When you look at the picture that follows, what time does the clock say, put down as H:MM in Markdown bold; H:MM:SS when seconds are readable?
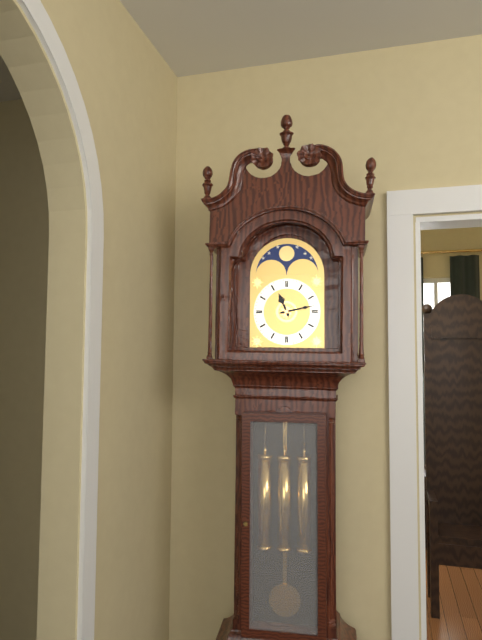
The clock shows **11:13**
